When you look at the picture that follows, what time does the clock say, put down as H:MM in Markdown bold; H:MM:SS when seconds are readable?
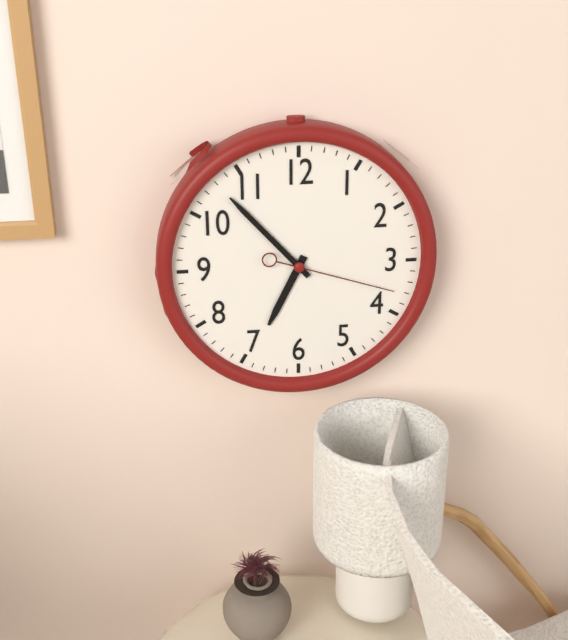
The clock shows **6:53:18**
